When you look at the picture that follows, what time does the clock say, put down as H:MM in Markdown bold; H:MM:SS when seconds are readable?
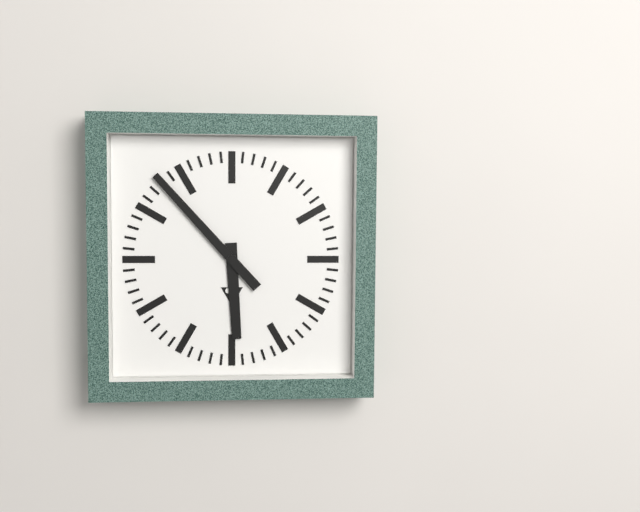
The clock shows **5:53**
